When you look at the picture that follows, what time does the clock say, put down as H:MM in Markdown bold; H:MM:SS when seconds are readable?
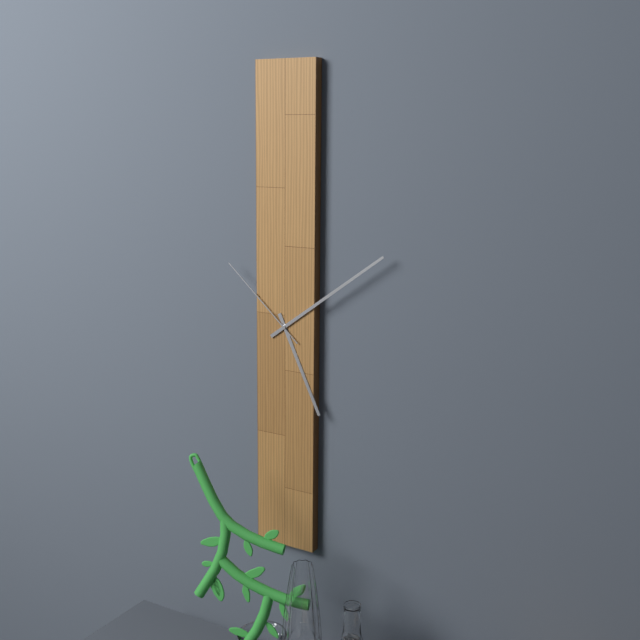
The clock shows **5:09:52**
